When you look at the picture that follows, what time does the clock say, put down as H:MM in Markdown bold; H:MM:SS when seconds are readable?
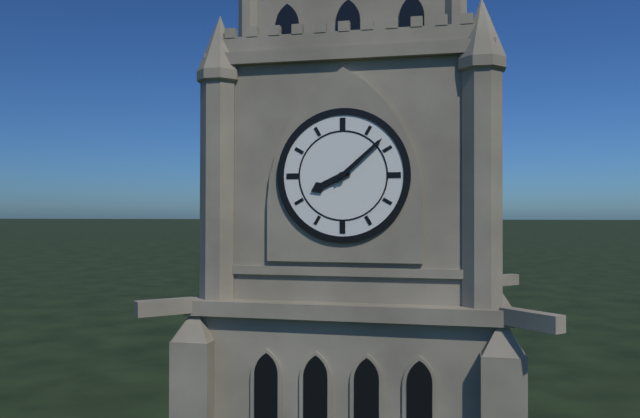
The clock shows **8:08**
